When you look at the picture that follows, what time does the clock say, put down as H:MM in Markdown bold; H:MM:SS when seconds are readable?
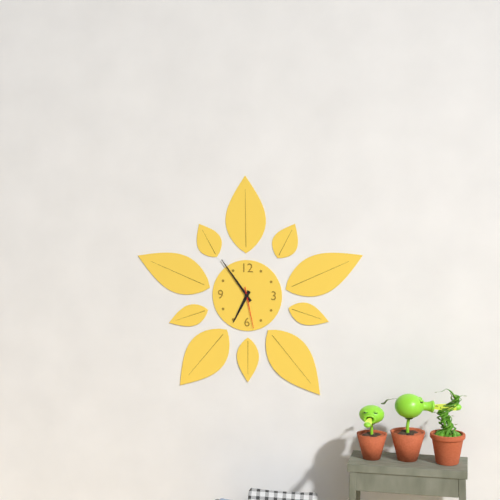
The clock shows **6:54**
